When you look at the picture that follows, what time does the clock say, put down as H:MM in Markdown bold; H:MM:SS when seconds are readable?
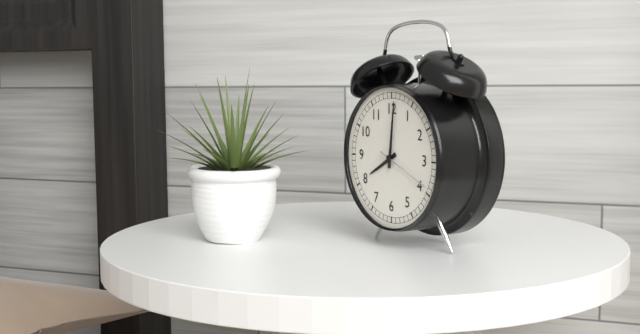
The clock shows **8:01:19**
